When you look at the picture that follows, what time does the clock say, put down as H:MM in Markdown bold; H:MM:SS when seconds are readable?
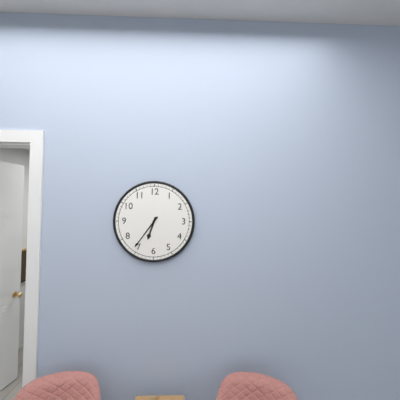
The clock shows **6:36**
